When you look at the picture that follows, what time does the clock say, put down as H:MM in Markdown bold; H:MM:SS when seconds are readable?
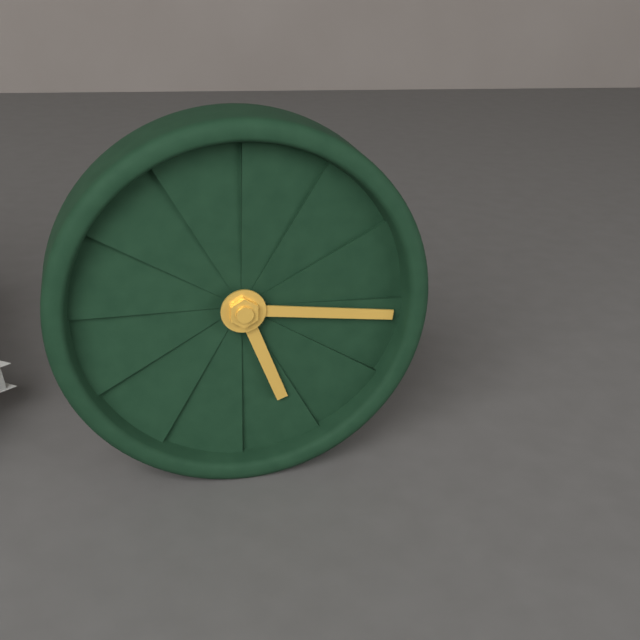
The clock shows **5:16**
